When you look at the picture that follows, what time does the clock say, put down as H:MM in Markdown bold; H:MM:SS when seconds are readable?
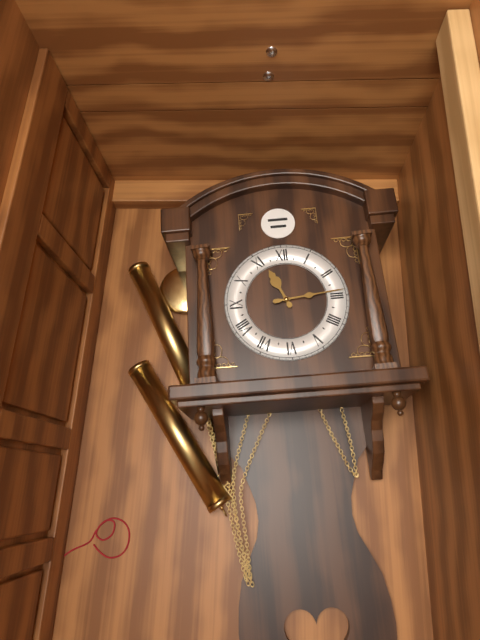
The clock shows **11:14**
